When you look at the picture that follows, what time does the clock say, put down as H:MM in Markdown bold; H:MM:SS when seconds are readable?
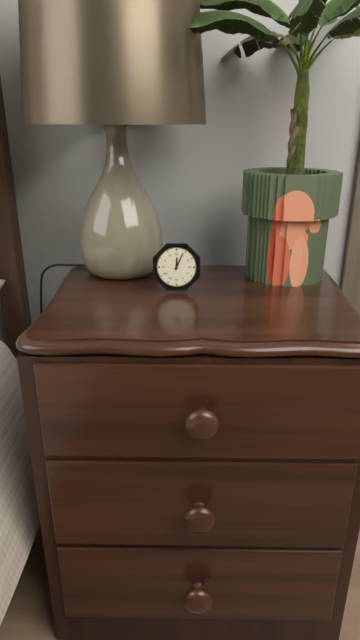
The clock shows **12:04**
